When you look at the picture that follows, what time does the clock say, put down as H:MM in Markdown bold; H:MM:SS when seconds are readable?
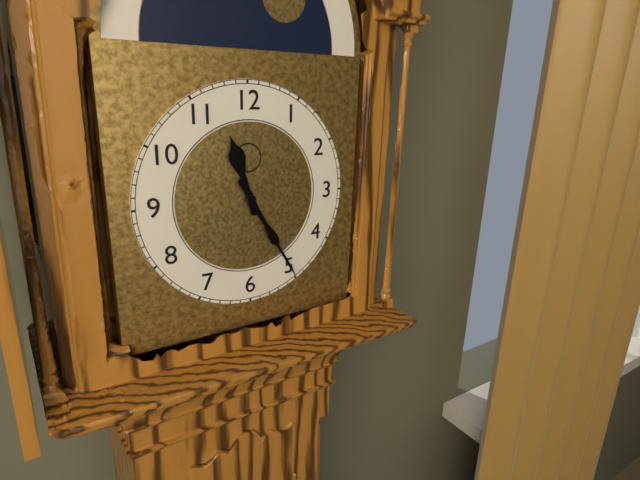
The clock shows **11:25**
